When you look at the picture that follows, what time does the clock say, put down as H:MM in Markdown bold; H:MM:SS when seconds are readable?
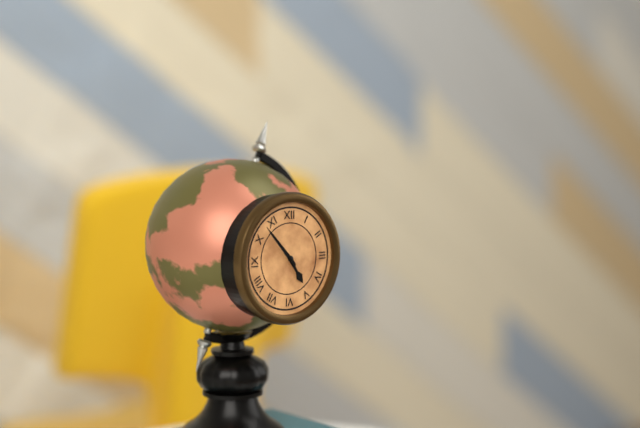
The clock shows **4:53**
